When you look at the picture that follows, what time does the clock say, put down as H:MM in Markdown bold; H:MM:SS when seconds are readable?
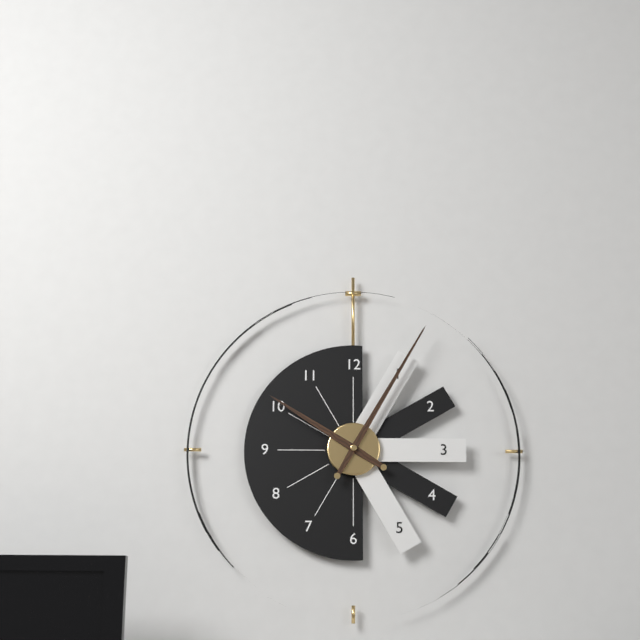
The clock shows **10:05**
